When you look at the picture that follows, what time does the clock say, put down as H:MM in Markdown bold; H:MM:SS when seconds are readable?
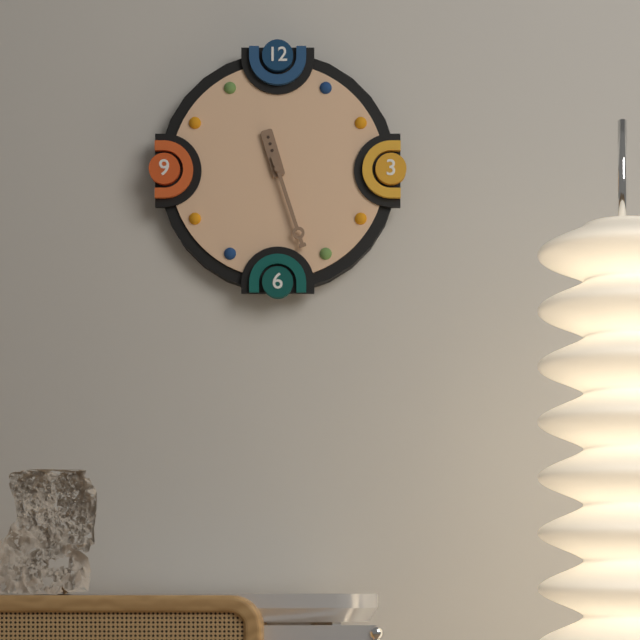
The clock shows **11:27**
